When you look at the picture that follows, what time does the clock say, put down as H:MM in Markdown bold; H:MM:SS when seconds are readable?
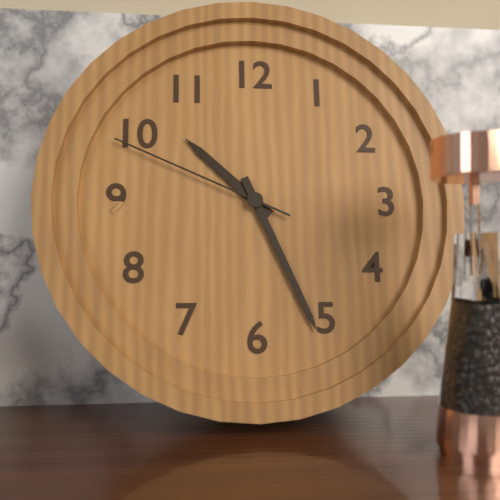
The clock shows **10:26:49**
